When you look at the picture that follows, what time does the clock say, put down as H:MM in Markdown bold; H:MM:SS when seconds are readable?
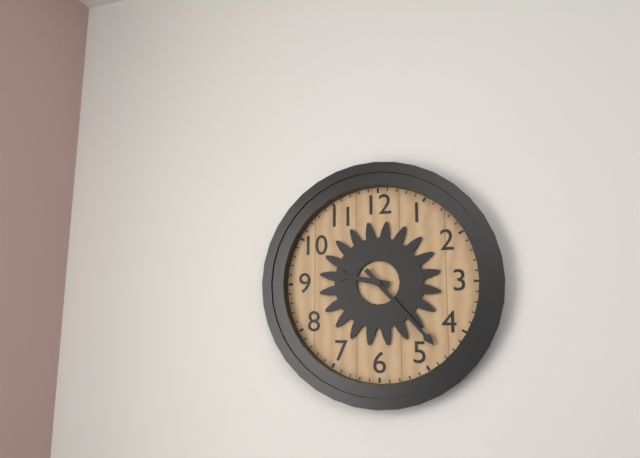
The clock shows **9:23**
